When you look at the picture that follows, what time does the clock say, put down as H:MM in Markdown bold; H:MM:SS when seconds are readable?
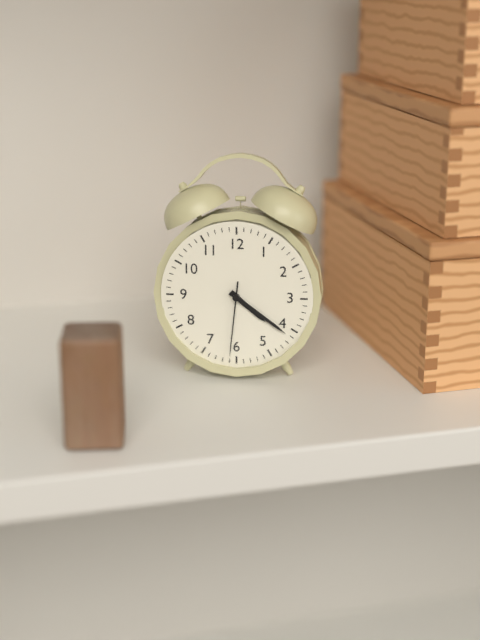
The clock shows **4:21:31**
